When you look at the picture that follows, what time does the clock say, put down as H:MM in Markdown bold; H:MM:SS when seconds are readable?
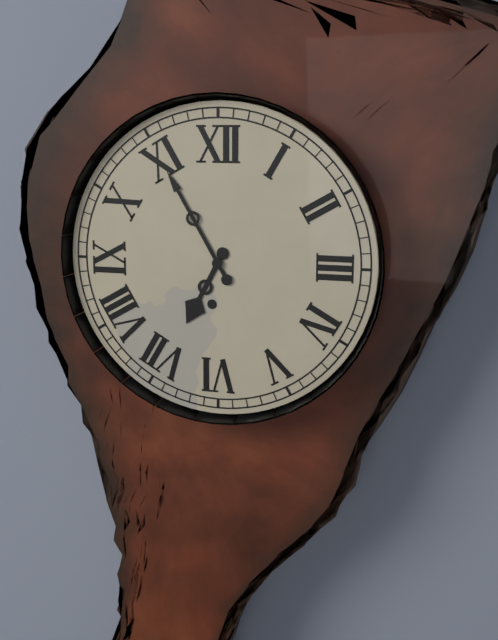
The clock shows **6:55**
